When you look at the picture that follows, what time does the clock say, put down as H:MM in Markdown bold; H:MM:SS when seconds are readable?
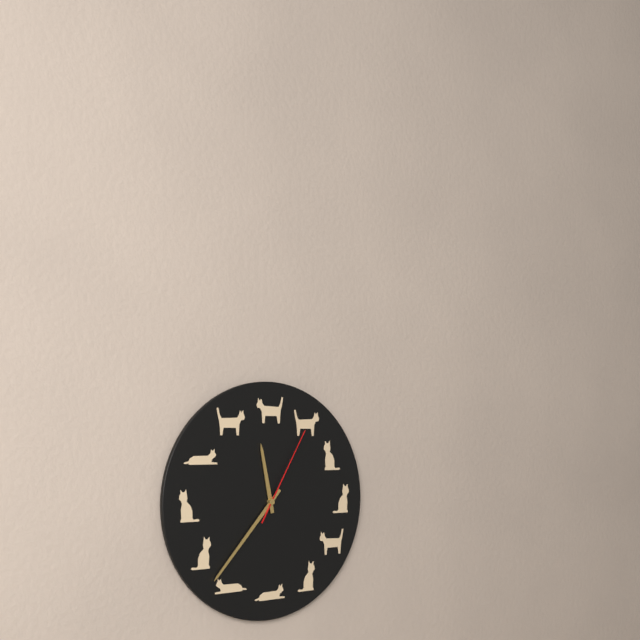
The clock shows **11:37:05**
